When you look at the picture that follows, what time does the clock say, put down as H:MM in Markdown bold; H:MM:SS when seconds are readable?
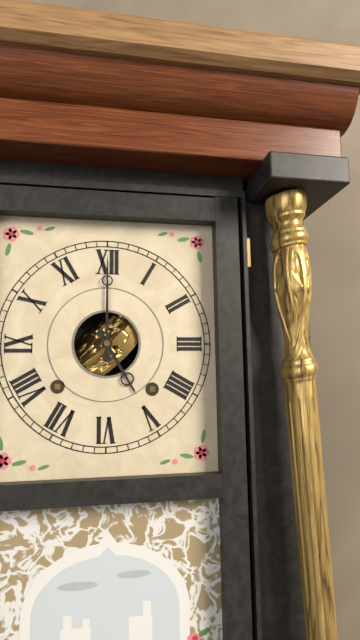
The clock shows **5:00**
